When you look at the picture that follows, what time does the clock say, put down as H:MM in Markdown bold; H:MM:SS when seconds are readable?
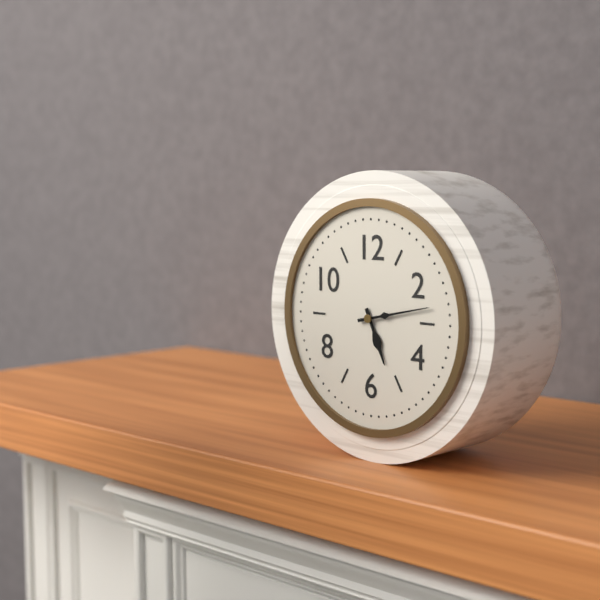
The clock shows **5:13**
